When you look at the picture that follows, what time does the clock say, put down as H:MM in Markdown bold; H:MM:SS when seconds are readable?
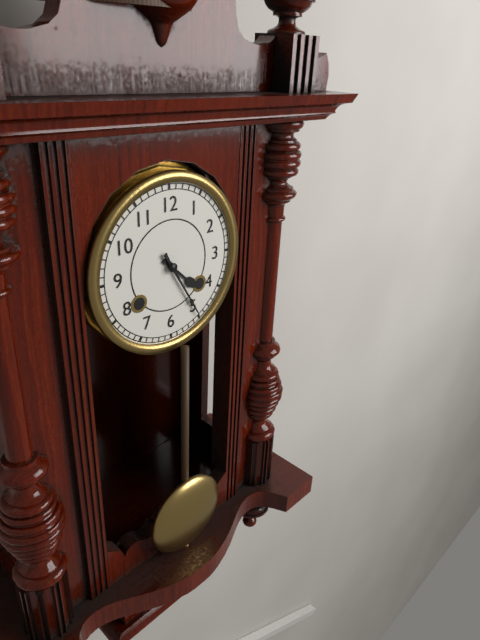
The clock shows **4:25**
